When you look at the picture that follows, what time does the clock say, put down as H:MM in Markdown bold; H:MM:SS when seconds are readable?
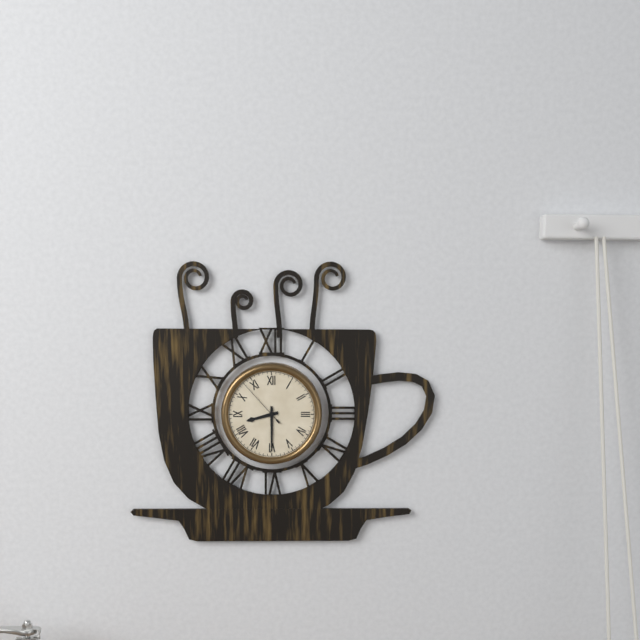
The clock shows **8:30:53**
